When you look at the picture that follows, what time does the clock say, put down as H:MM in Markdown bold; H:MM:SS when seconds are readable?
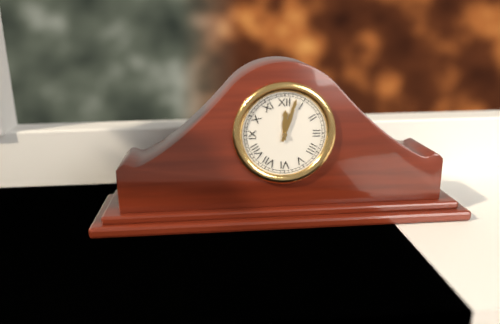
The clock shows **12:03**
